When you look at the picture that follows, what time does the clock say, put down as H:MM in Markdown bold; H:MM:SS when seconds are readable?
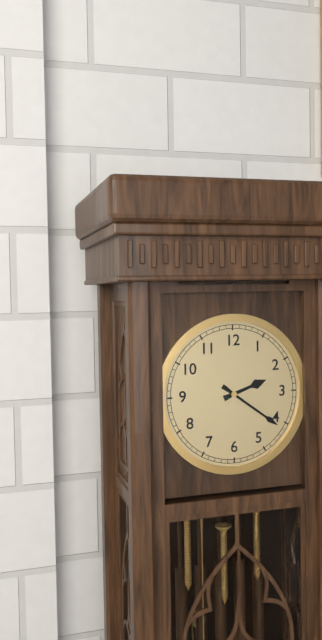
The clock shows **2:21**
